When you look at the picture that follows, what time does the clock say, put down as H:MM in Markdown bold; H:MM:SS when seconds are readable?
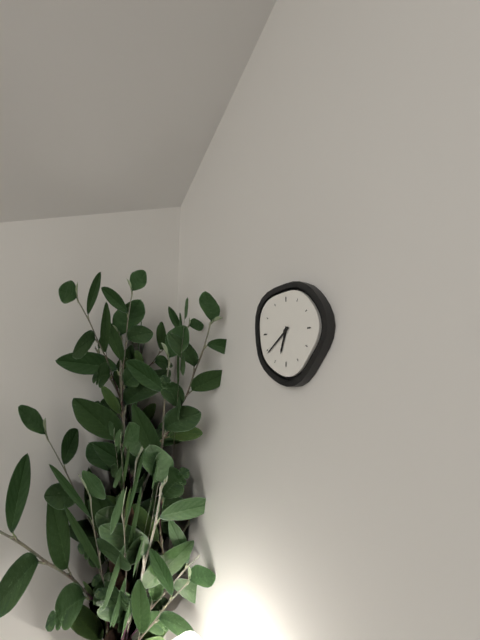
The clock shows **6:39**
